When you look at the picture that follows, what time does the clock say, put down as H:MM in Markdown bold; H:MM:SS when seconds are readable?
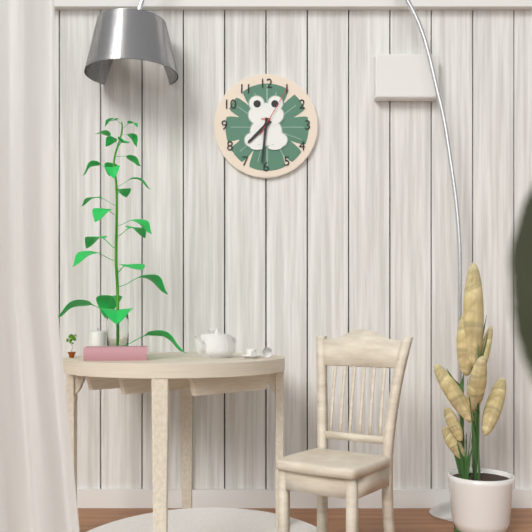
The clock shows **7:31:05**
